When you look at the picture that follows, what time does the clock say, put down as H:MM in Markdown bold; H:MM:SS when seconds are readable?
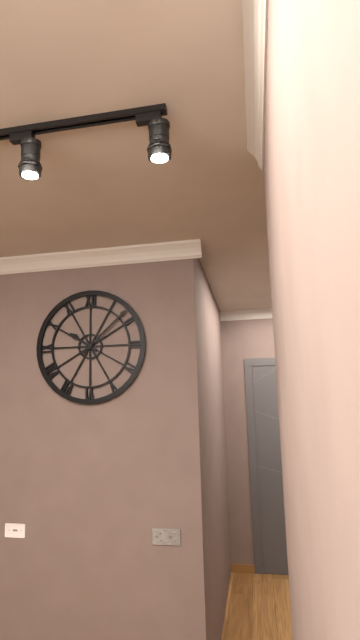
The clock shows **10:08**
